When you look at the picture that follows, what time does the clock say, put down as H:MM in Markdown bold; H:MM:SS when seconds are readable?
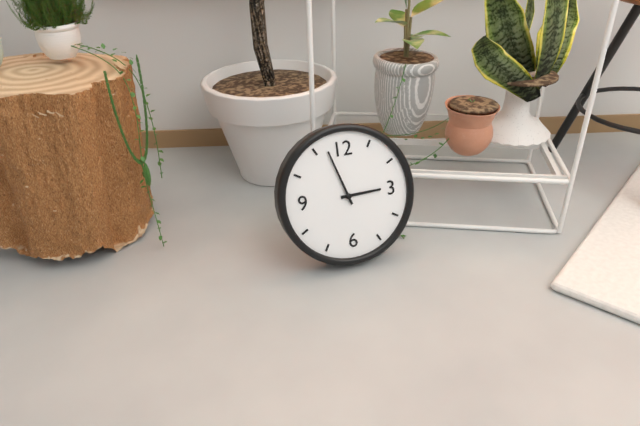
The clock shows **2:57**
